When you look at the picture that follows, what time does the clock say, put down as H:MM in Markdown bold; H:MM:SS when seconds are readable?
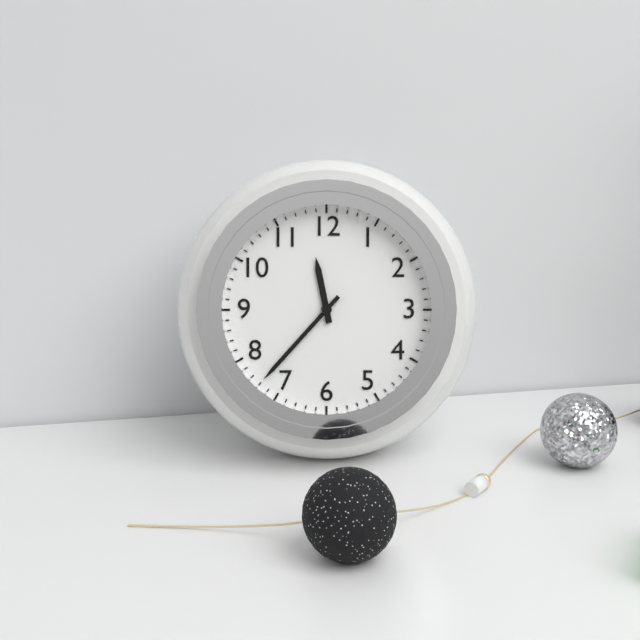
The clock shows **11:37**
